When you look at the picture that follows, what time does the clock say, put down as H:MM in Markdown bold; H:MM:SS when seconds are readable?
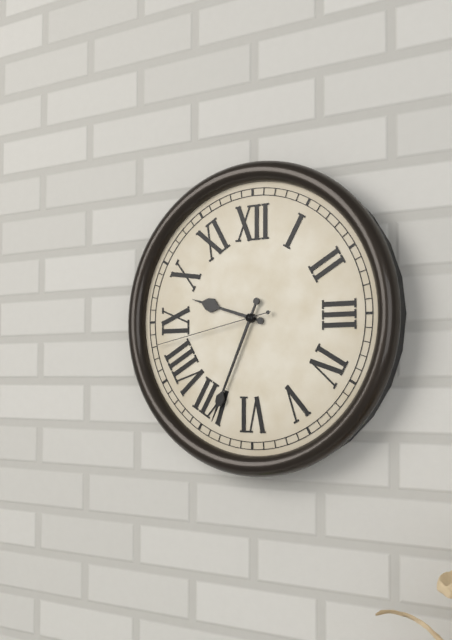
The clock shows **9:34:43**
